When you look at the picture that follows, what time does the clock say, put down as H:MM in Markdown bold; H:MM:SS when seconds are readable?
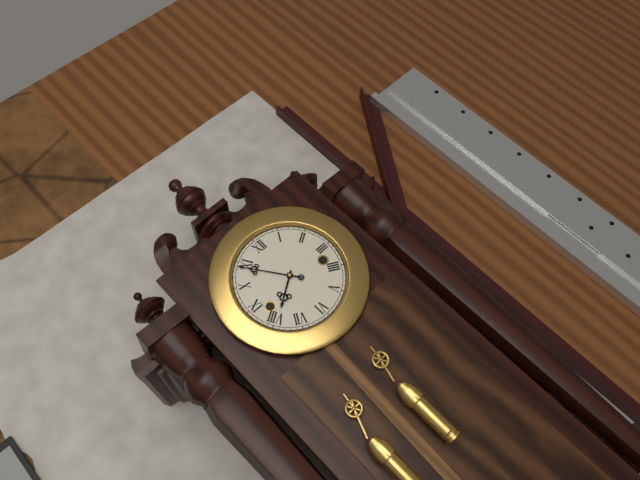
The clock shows **7:54**
